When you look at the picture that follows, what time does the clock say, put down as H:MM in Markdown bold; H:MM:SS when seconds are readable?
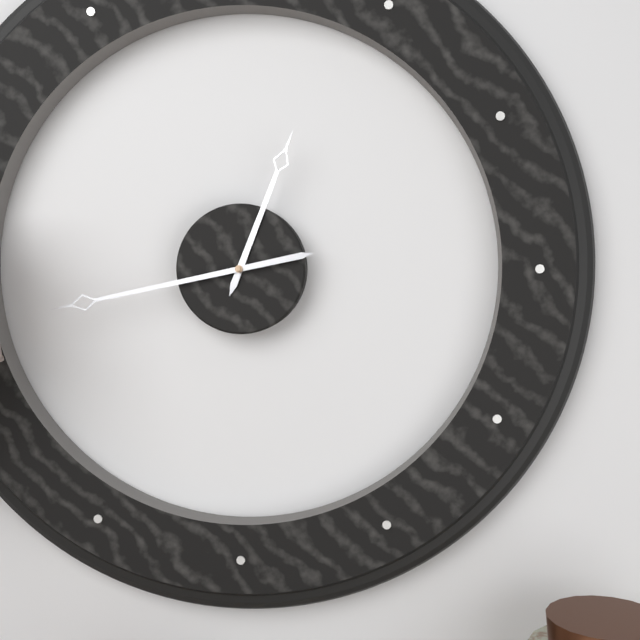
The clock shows **12:43**
